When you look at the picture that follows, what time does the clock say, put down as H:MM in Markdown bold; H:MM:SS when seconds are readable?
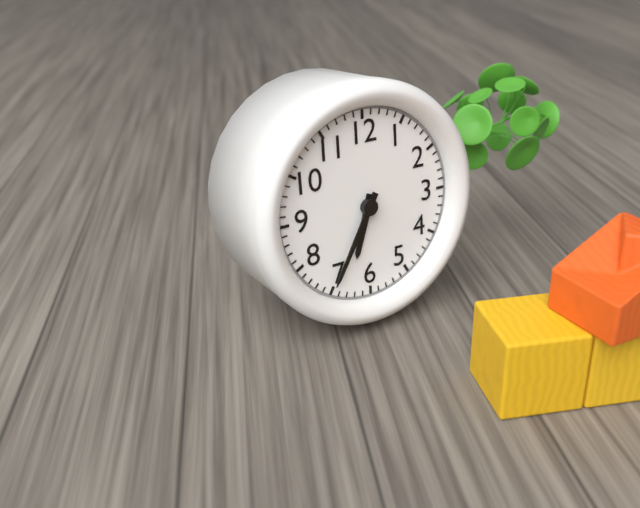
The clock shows **6:35**
